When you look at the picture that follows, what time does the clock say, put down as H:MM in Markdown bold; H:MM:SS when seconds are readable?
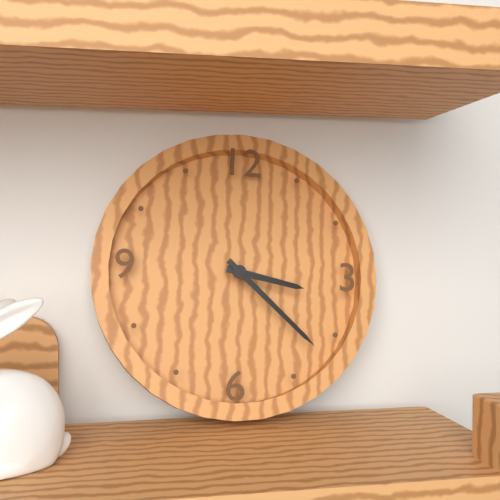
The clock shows **3:22**
